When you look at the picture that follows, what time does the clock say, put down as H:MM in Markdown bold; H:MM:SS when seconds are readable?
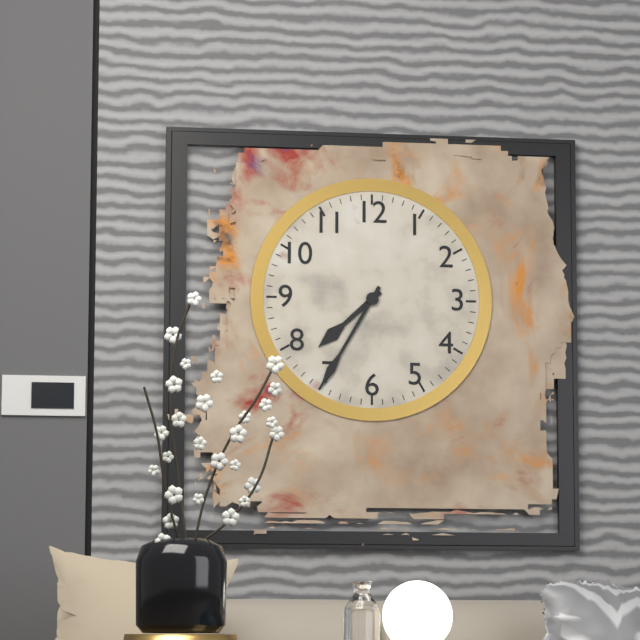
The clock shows **7:35**
